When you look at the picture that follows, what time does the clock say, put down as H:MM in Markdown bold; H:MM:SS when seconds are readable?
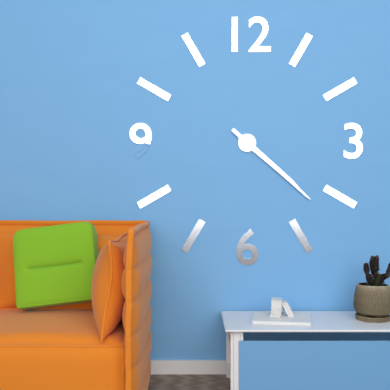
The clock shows **4:22**
